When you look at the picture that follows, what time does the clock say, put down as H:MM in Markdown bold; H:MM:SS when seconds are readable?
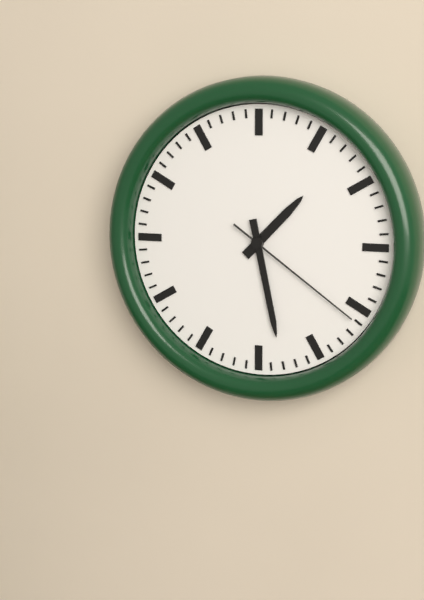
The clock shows **1:28:21**
